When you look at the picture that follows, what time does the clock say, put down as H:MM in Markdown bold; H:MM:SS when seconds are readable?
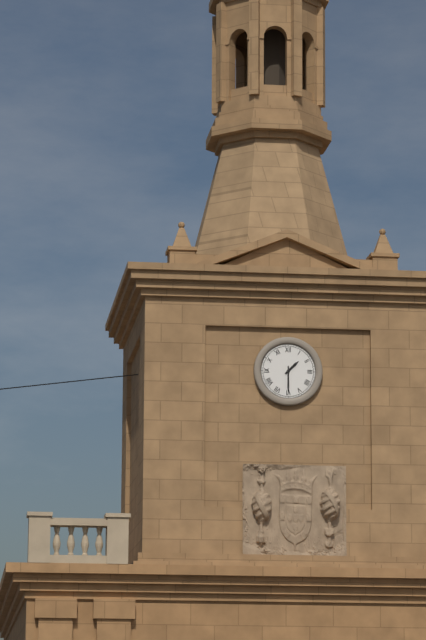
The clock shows **1:30**
